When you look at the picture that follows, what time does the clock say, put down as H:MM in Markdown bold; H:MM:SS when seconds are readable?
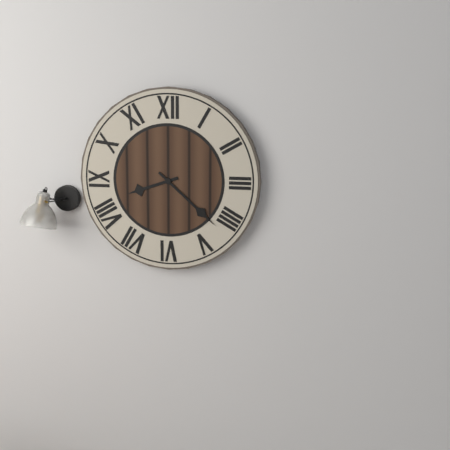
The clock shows **8:22**
